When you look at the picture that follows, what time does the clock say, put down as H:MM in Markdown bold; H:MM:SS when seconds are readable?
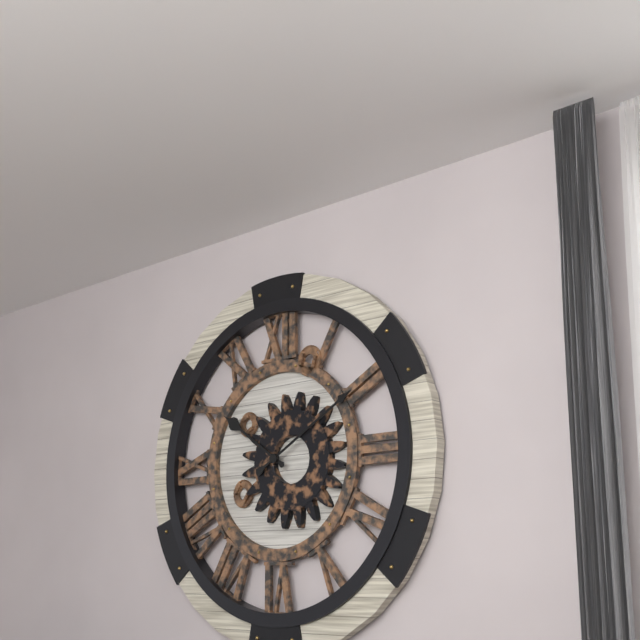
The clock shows **10:10**
